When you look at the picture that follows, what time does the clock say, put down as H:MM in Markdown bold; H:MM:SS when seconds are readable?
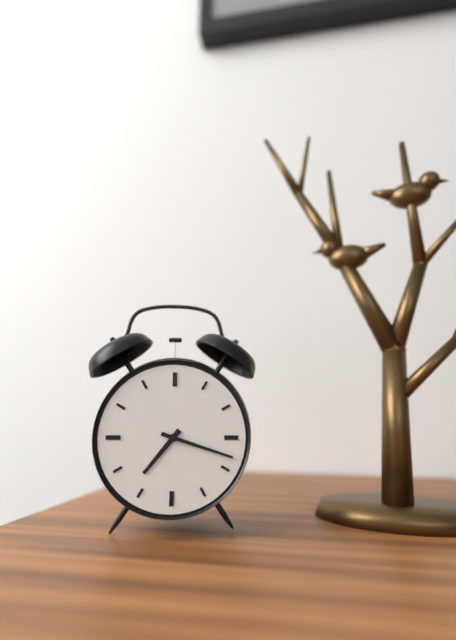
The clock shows **7:18**
